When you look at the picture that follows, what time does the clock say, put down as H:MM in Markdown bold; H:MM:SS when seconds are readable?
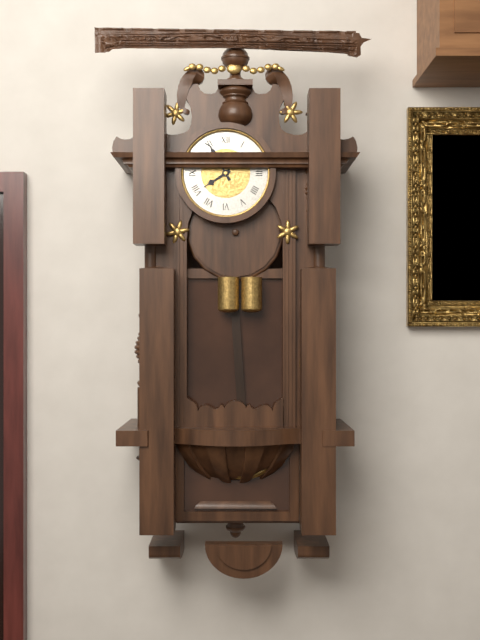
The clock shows **7:55**
